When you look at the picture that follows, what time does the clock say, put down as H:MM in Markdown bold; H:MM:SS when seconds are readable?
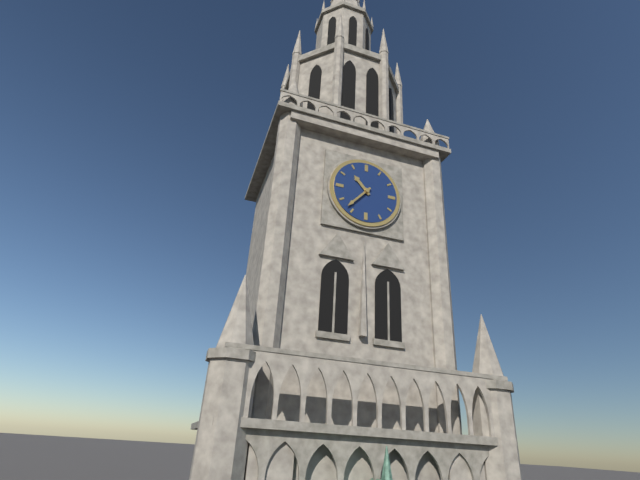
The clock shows **10:37**
